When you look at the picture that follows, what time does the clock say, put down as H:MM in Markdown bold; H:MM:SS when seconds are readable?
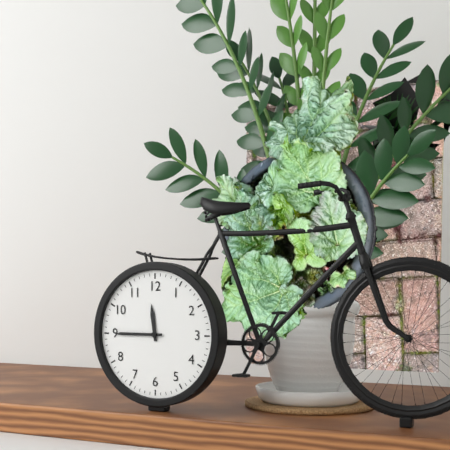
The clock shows **11:45**
